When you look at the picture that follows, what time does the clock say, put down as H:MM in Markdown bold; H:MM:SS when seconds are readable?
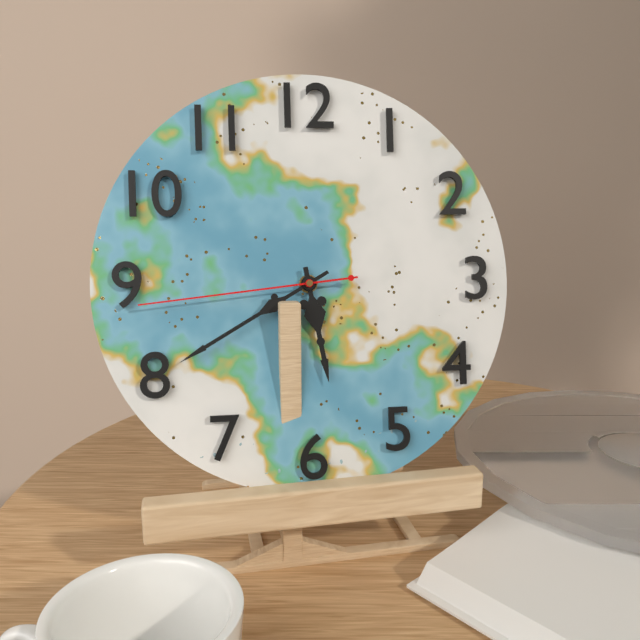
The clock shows **5:40:44**
